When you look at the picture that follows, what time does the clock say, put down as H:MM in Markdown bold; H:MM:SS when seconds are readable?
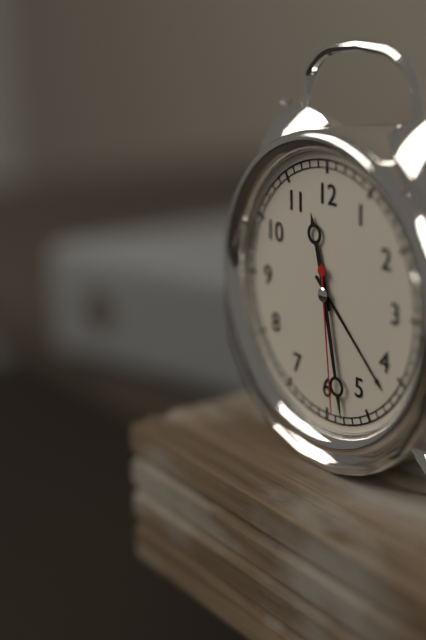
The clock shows **11:28:29**
